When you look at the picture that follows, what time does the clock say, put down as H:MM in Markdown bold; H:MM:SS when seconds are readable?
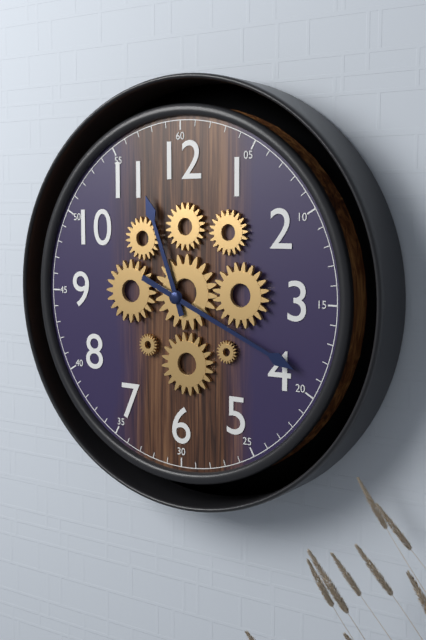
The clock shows **11:19**
